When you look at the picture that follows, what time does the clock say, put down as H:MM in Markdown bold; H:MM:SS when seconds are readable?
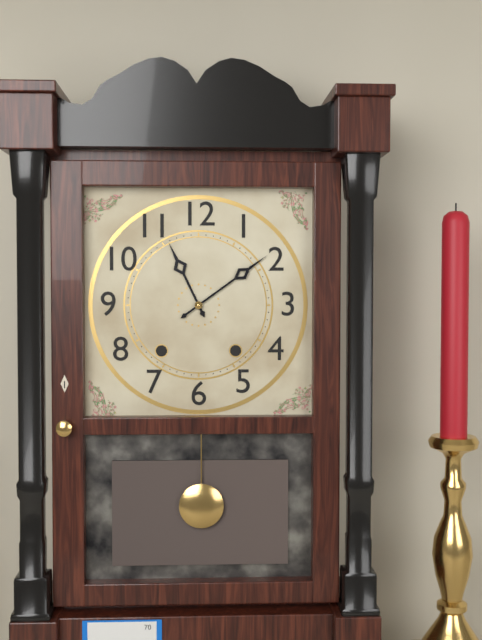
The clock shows **11:09**
